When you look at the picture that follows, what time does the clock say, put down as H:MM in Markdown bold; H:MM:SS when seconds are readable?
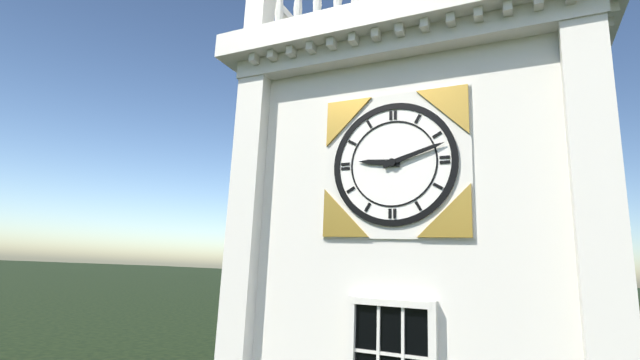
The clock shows **9:12**
